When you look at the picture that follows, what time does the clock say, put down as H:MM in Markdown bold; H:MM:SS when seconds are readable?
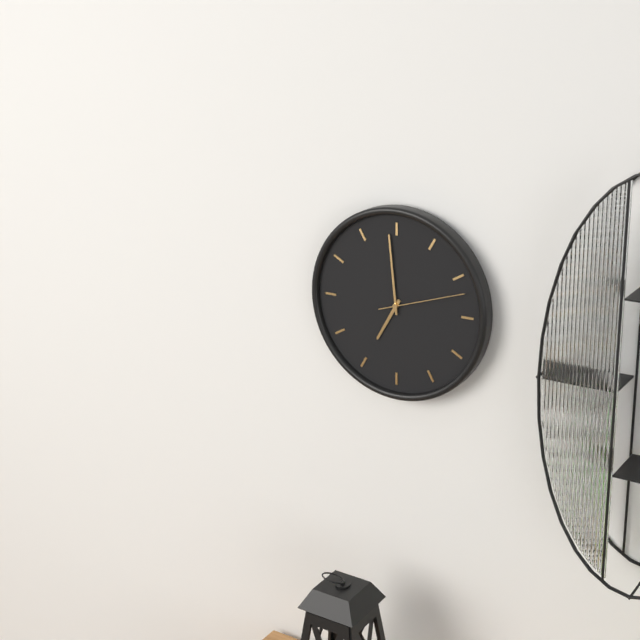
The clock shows **6:59:12**
